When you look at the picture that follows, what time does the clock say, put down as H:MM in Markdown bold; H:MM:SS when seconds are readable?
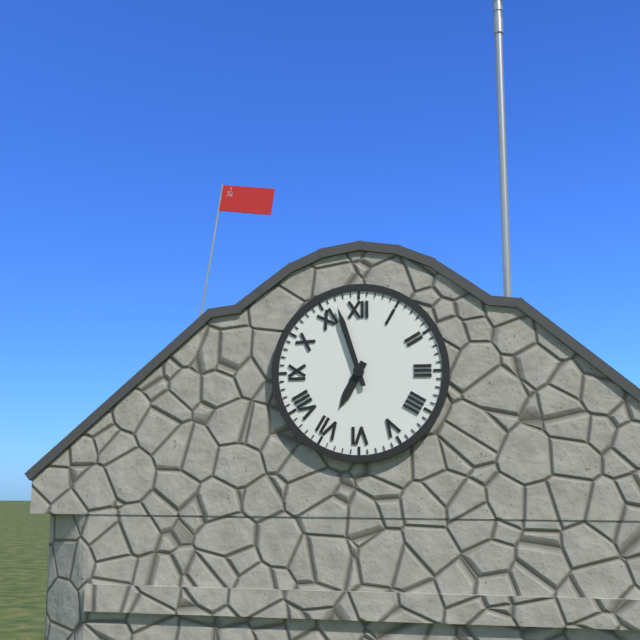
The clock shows **6:57**
